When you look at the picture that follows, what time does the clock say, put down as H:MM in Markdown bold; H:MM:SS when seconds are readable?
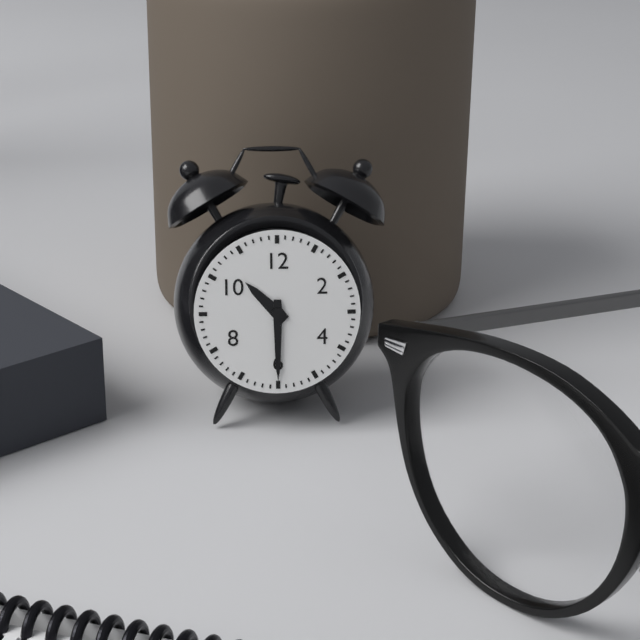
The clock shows **10:30**
